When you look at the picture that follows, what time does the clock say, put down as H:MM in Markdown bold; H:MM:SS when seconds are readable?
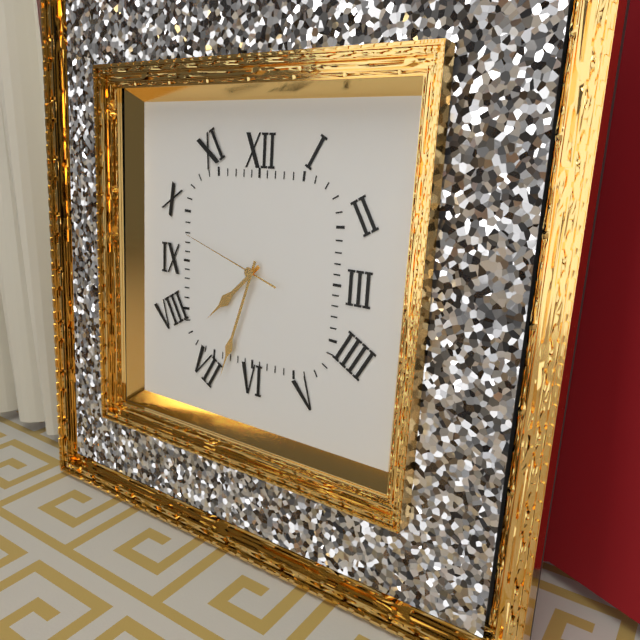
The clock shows **7:33:48**
